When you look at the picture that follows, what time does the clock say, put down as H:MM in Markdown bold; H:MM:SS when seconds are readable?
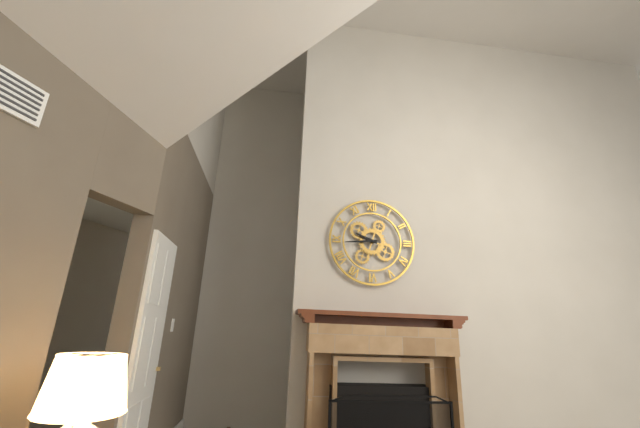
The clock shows **9:44**
